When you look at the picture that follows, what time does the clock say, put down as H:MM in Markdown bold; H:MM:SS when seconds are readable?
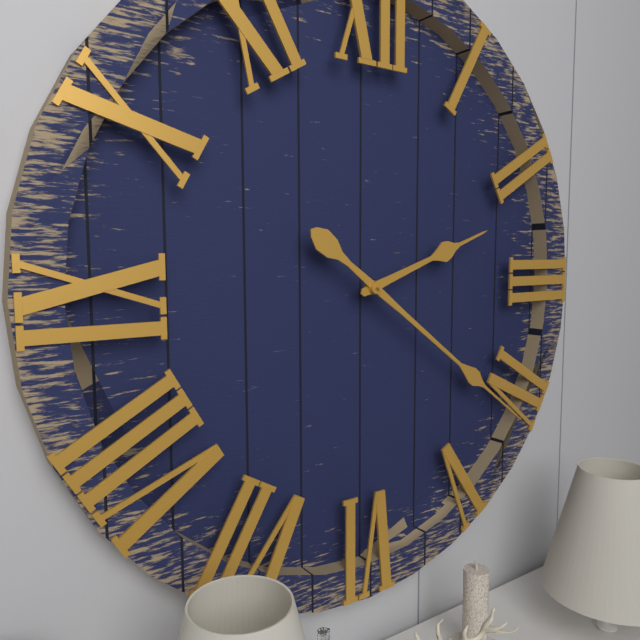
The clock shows **2:21**
